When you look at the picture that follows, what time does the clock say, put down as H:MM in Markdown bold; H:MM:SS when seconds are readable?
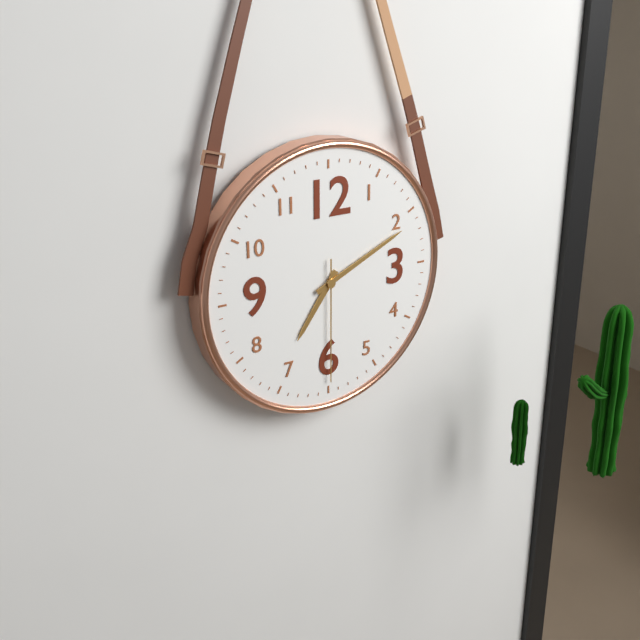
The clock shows **7:11:30**
